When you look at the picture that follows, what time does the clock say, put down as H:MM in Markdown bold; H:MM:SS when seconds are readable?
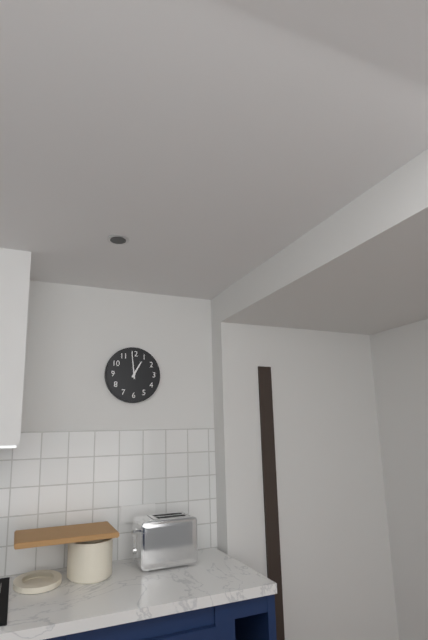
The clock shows **12:59**
